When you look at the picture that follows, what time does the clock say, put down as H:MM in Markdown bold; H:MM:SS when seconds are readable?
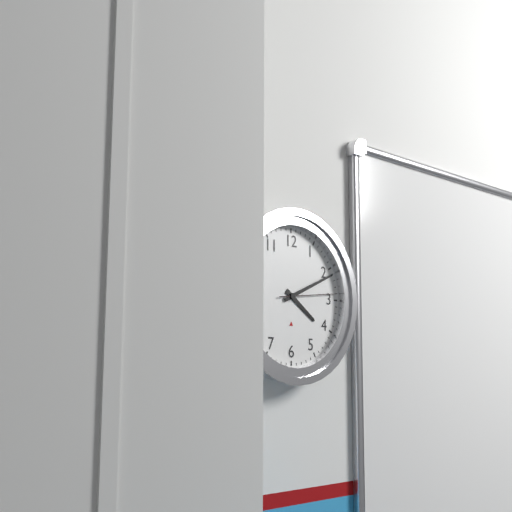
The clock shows **4:11:14**
